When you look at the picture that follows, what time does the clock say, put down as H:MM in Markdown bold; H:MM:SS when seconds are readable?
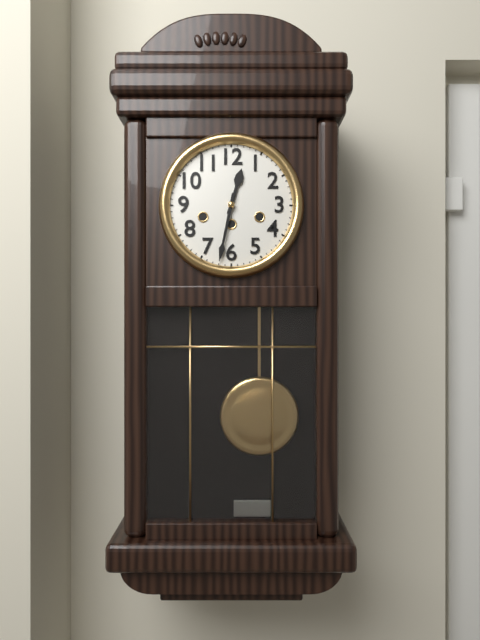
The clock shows **12:32**
